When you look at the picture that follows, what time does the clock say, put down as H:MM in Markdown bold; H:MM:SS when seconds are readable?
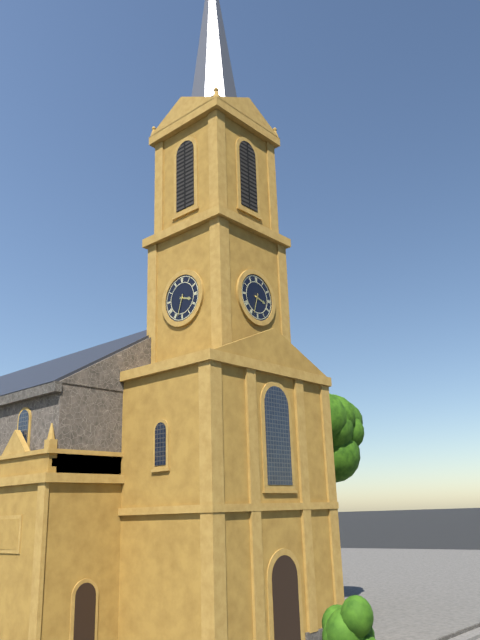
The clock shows **3:33**
